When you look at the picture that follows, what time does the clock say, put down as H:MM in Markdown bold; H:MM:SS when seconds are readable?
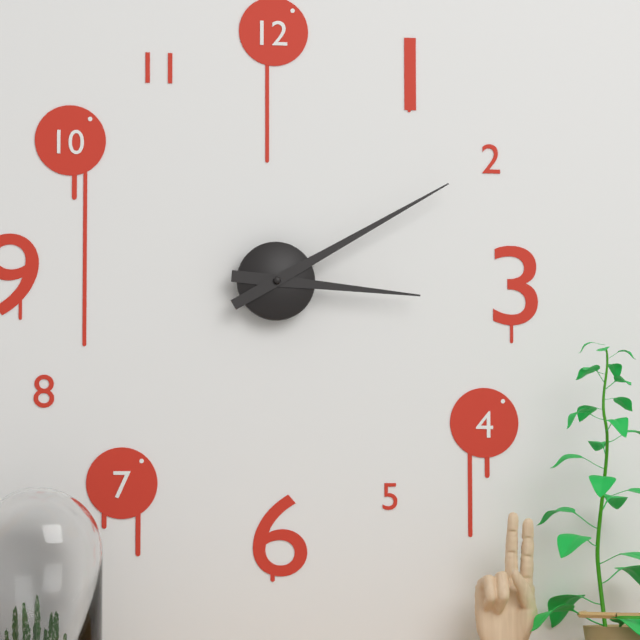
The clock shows **3:10**
